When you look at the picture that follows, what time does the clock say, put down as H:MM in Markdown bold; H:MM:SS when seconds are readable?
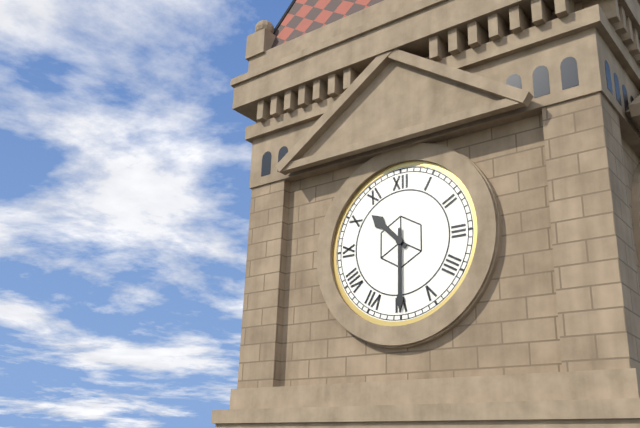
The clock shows **10:30**
